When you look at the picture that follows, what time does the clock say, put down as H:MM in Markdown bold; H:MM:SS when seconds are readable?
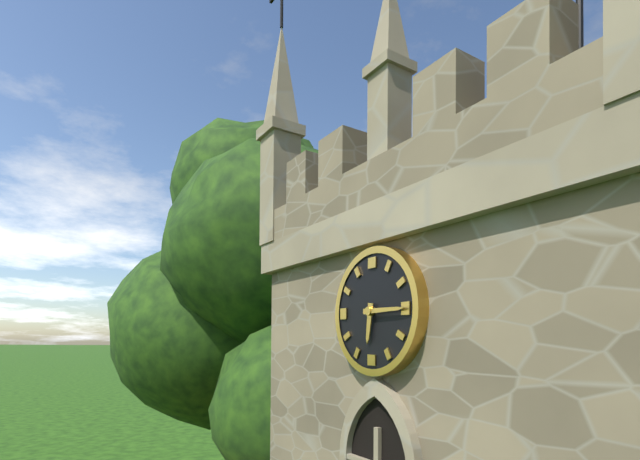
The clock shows **6:15**
